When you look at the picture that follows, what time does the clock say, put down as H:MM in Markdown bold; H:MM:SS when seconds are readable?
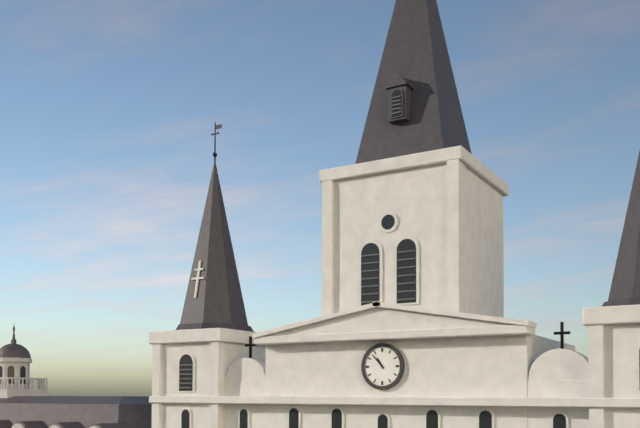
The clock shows **10:53**
